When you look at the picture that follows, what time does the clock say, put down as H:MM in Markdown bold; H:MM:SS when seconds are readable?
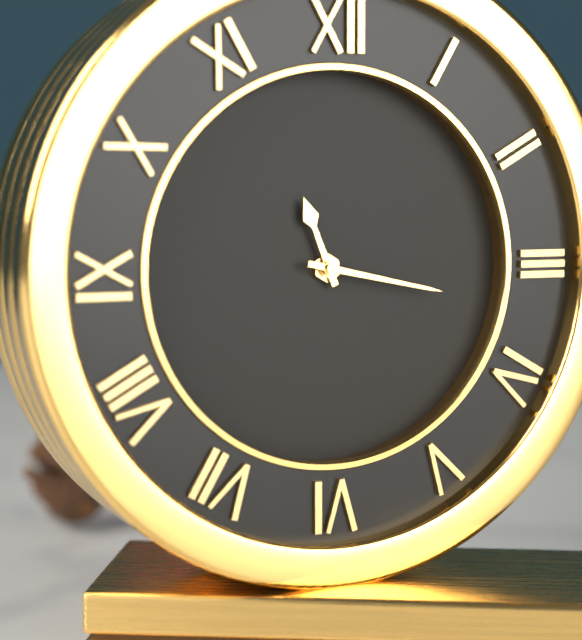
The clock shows **11:17**
